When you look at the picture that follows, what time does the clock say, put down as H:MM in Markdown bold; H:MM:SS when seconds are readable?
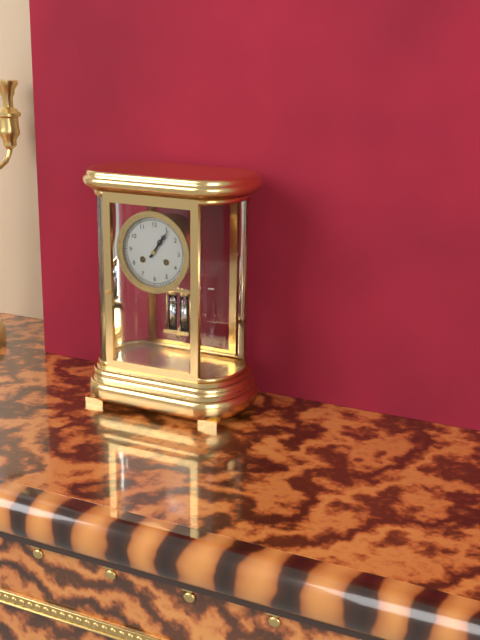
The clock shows **1:06**
